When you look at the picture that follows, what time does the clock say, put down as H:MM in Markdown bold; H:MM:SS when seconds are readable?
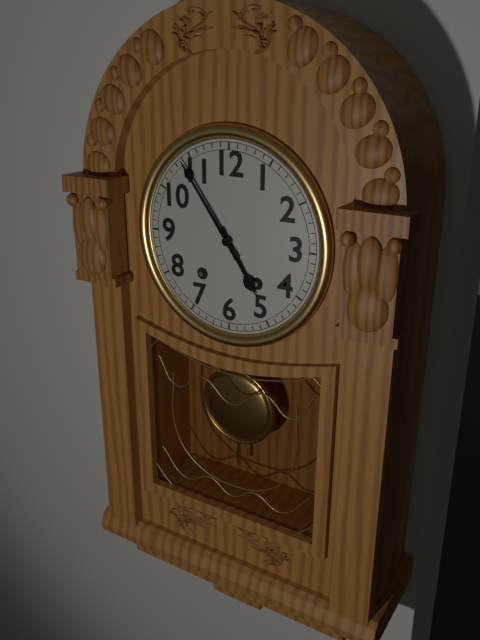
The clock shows **4:54**
